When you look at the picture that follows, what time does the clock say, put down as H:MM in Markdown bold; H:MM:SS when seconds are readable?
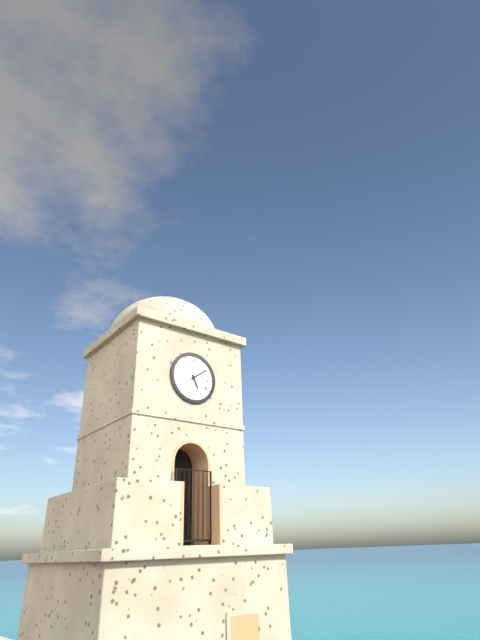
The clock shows **5:09**
